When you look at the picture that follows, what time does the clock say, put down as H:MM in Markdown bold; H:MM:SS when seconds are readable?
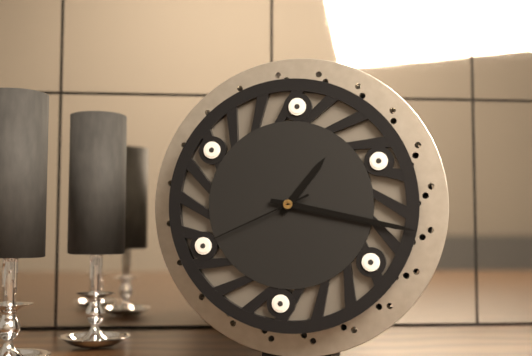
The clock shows **1:17:41**
